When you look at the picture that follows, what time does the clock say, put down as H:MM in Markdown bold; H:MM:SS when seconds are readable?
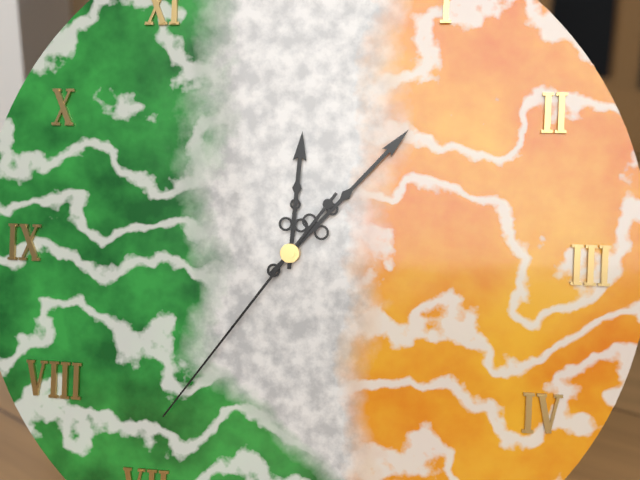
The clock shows **12:07:36**
